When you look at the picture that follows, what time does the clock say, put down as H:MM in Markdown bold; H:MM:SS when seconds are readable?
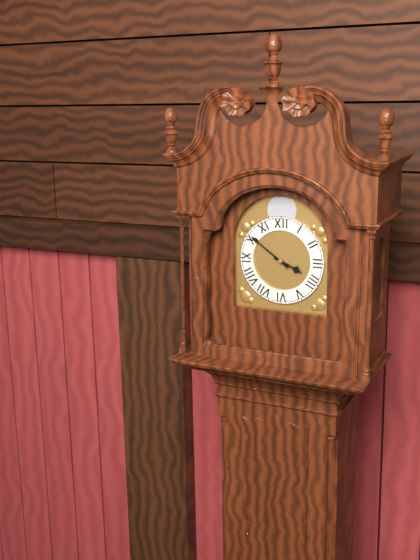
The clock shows **3:51**
